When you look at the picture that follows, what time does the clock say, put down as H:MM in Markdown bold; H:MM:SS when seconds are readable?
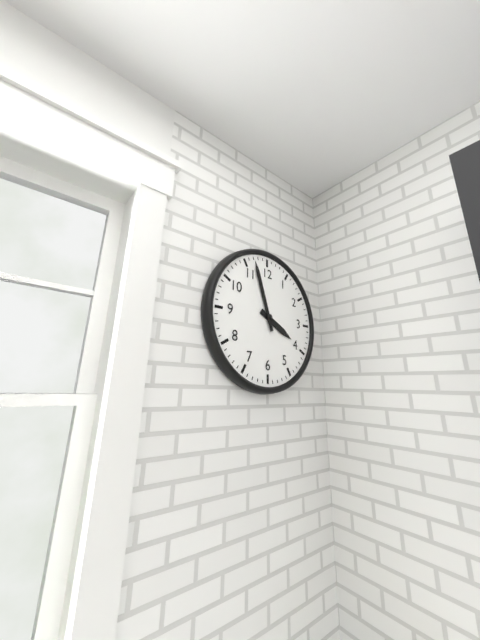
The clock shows **3:57**
